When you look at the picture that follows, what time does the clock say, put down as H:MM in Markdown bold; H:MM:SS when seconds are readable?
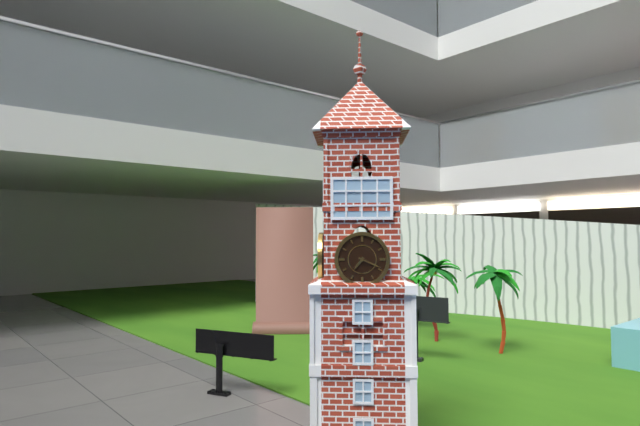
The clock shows **7:19**
